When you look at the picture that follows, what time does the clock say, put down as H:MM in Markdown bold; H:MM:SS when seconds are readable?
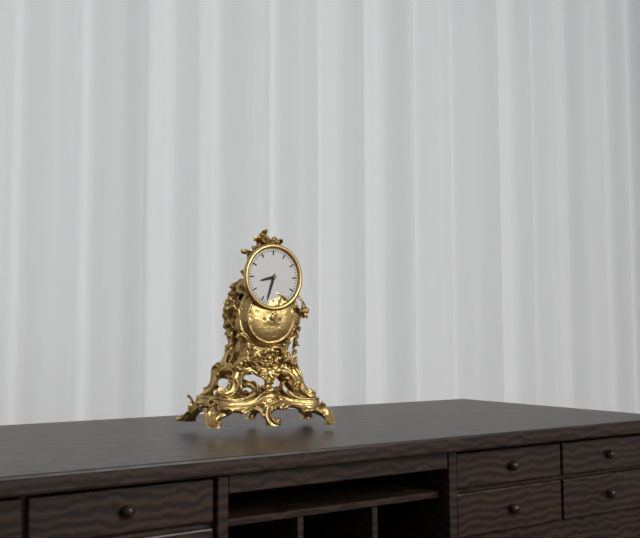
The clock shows **8:33**
